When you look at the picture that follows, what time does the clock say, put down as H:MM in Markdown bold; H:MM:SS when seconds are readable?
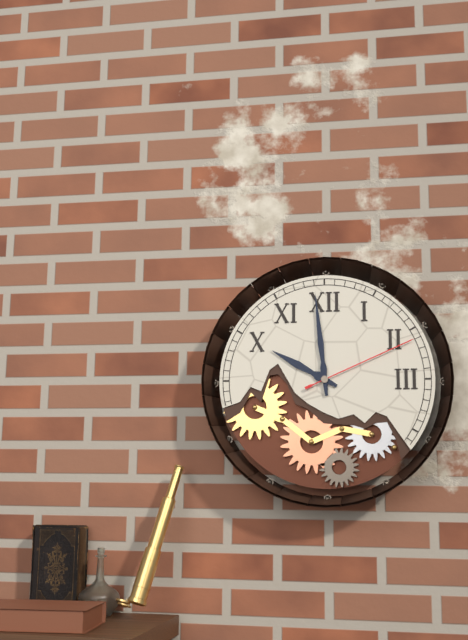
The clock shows **9:59:11**
